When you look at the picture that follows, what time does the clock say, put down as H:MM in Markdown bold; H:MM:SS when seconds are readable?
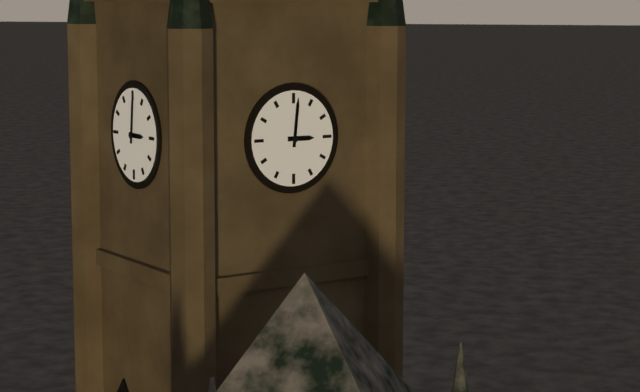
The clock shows **3:01**
